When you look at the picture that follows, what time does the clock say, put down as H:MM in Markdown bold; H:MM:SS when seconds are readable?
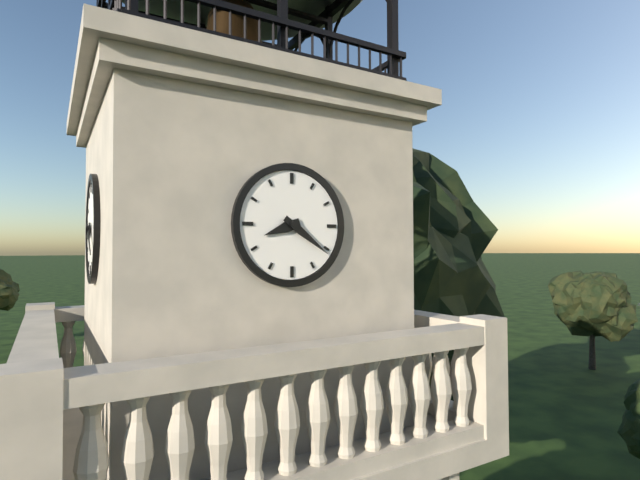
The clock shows **8:21**
